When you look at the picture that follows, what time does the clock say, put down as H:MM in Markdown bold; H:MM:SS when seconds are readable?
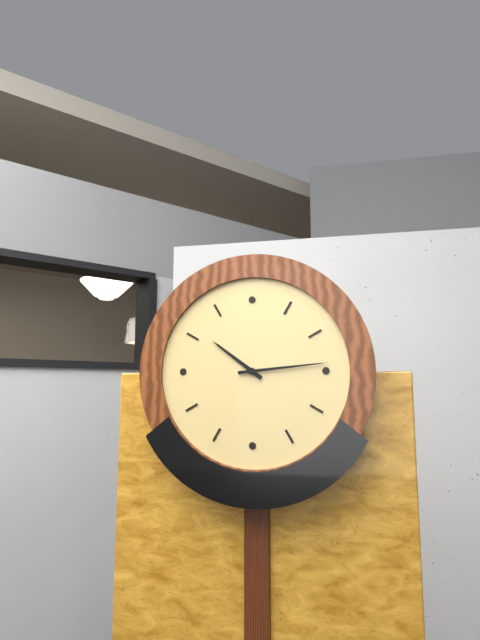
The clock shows **10:14**
